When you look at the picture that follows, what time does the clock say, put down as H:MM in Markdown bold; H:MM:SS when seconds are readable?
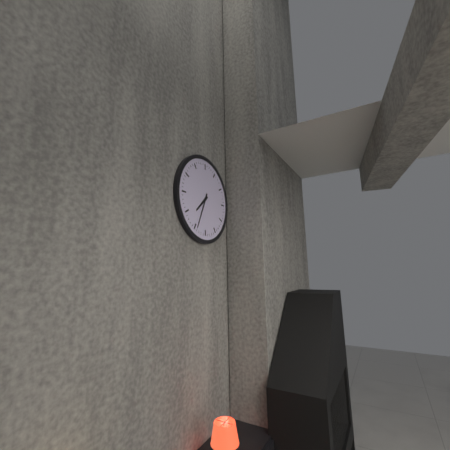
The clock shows **7:34**
